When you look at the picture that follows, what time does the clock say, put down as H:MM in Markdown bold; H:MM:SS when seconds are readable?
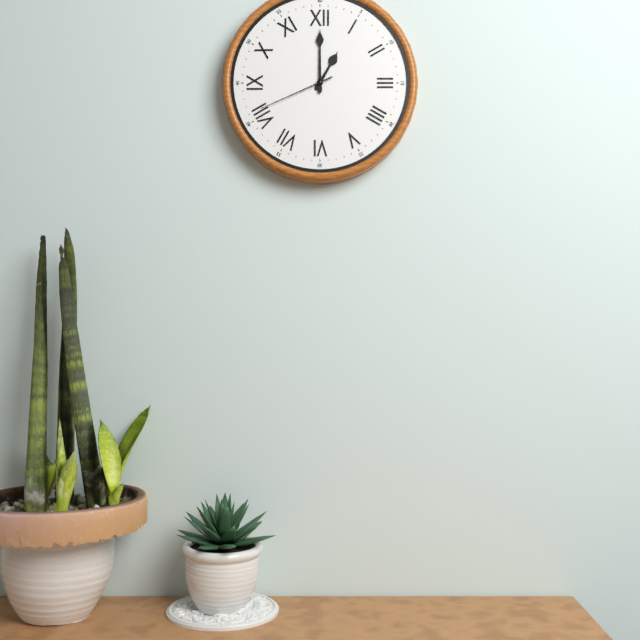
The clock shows **1:00:41**
